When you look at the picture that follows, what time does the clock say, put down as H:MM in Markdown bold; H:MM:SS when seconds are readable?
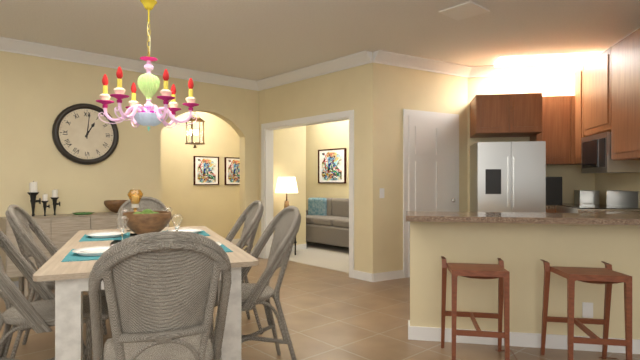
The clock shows **1:01**
